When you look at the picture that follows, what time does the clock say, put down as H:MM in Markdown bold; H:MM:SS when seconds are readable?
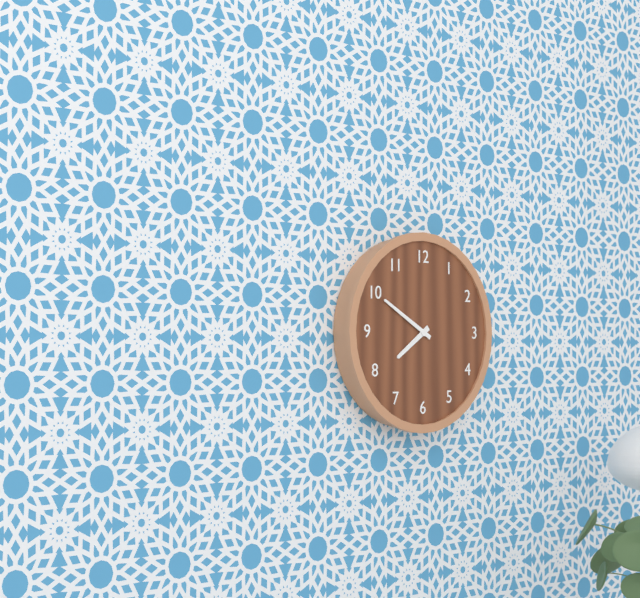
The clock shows **7:50**
